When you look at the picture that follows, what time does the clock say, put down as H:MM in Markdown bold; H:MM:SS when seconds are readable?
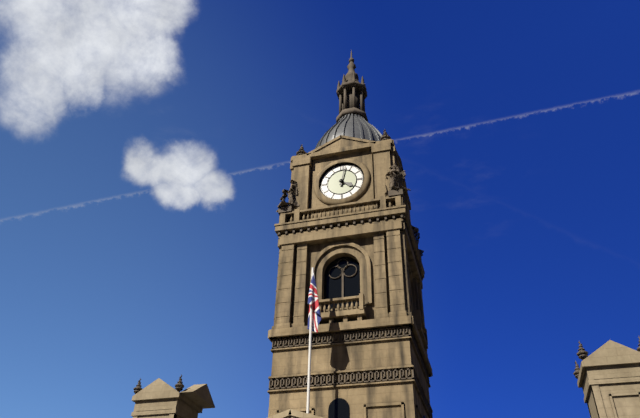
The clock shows **4:02**
